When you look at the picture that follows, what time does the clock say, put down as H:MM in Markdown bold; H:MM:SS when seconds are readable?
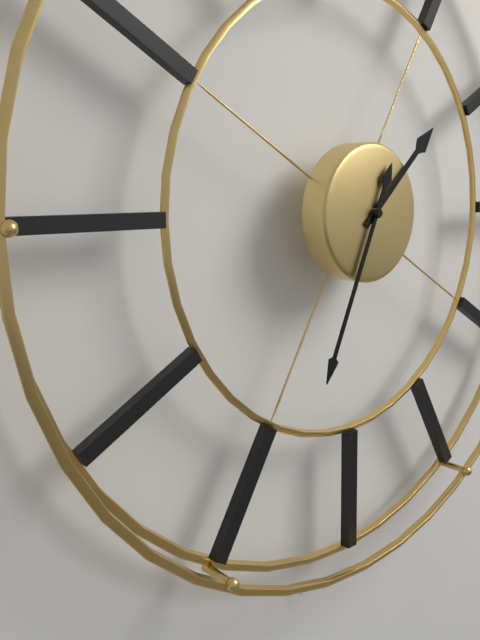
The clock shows **1:34**
